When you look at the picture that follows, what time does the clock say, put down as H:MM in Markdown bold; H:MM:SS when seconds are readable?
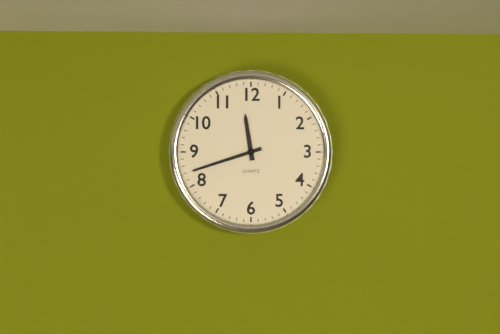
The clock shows **11:42**
